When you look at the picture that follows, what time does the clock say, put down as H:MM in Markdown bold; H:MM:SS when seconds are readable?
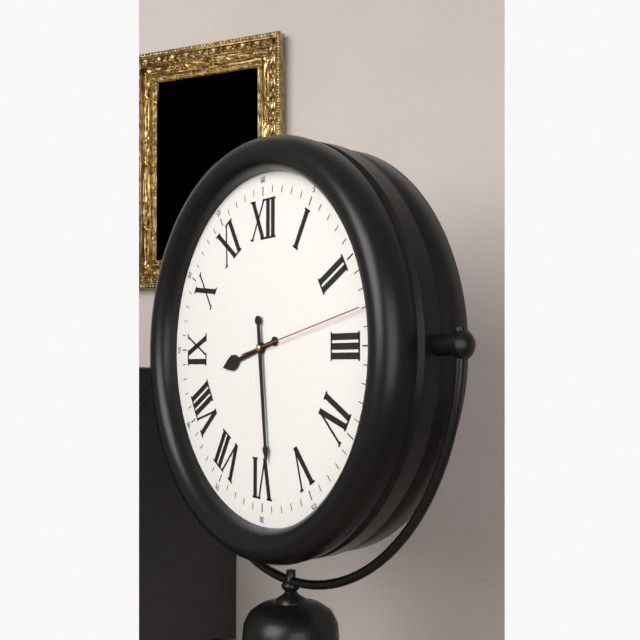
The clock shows **8:29:13**
